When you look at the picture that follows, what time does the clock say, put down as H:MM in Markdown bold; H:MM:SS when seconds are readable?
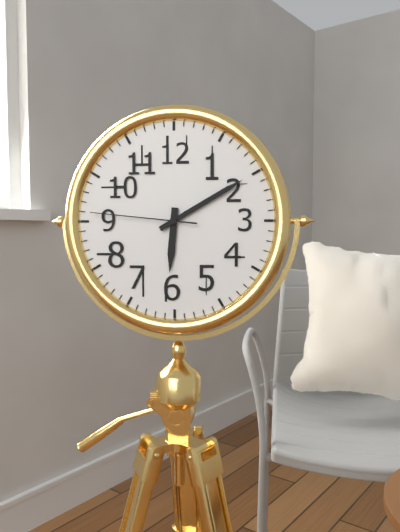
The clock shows **6:10:46**
